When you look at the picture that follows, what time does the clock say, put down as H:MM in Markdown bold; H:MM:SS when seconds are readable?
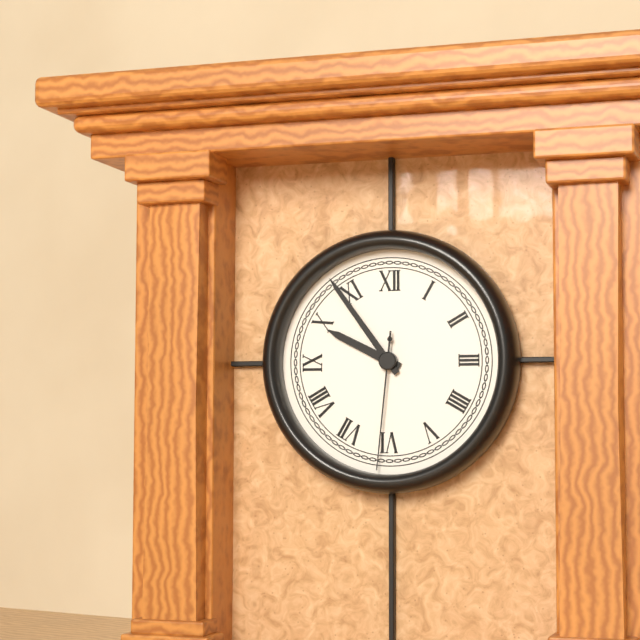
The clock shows **9:54:31**
